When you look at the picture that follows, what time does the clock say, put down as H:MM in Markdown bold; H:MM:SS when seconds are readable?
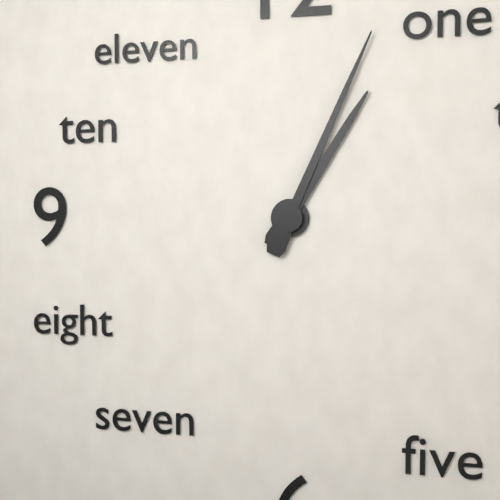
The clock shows **1:04**
